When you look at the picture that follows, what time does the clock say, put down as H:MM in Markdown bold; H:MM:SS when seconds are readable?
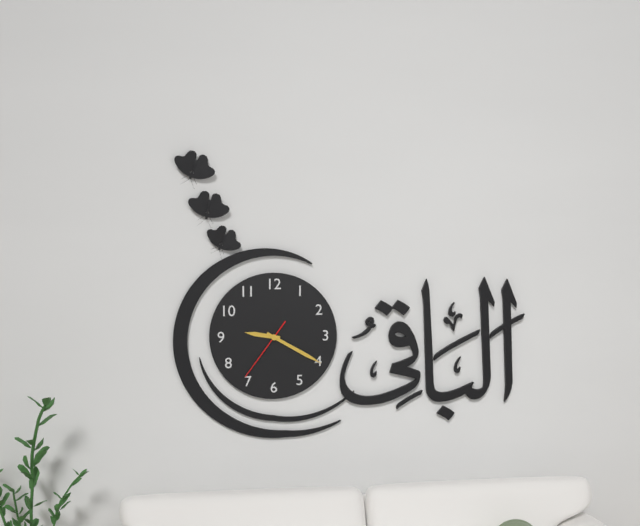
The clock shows **9:20:36**
